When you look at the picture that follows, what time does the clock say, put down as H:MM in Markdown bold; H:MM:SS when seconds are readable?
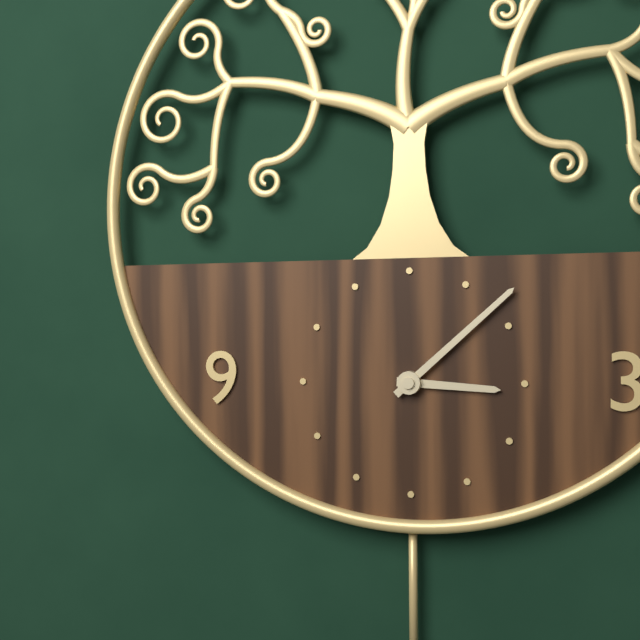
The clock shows **3:08**
